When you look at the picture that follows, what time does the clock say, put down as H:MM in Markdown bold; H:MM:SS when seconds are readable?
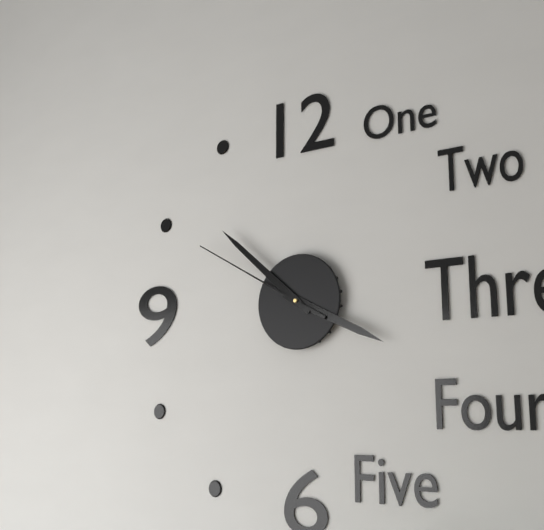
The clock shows **3:52:50**
